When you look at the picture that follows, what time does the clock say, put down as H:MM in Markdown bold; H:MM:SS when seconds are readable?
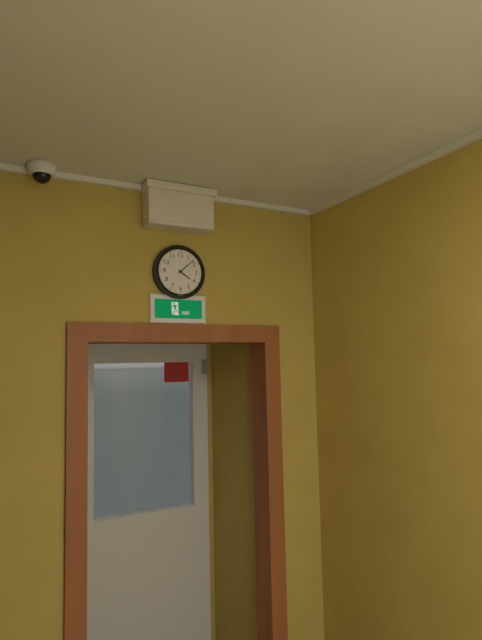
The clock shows **4:08**
